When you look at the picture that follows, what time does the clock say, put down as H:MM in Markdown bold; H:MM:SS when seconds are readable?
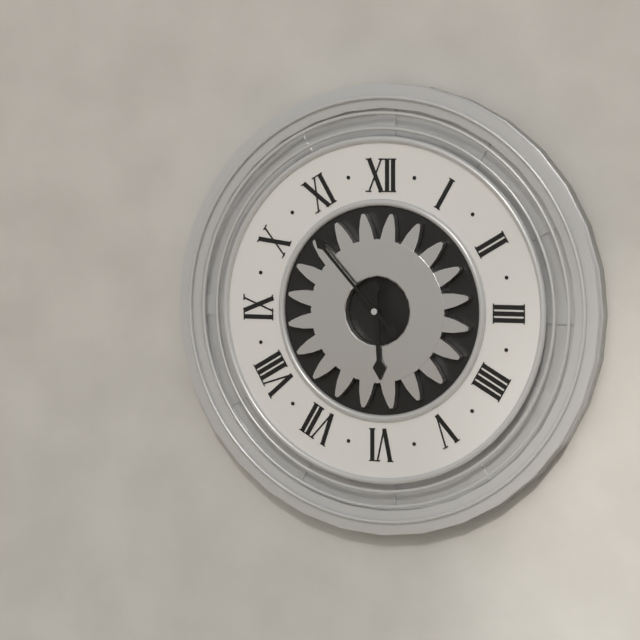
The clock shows **5:53**
